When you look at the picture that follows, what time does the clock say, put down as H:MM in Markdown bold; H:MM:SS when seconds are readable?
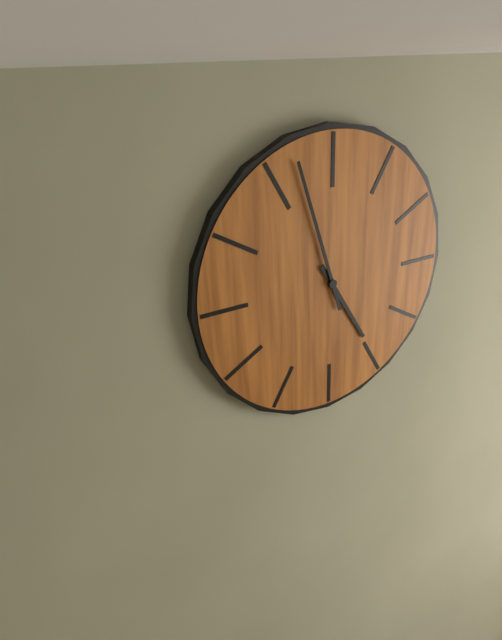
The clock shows **4:57**
